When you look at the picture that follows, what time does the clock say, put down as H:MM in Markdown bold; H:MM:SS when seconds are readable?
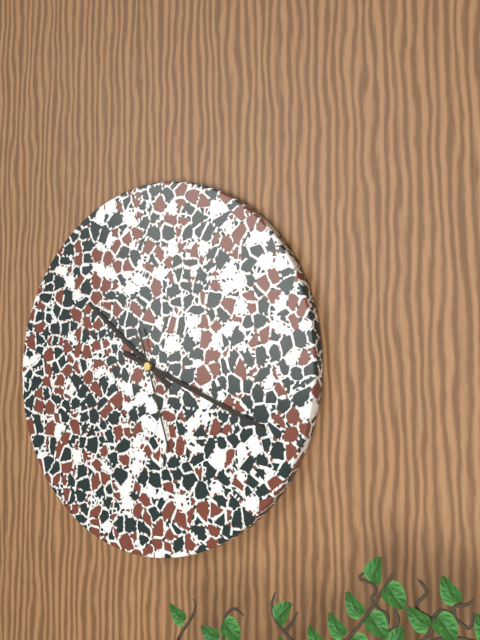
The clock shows **10:19:27**
